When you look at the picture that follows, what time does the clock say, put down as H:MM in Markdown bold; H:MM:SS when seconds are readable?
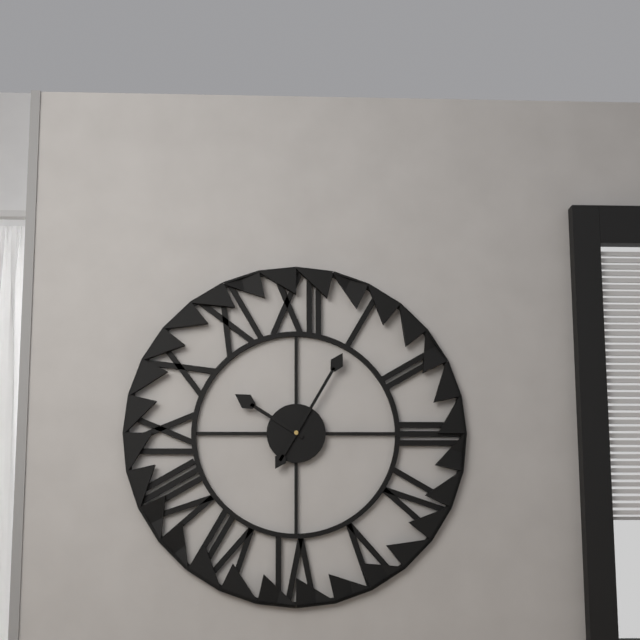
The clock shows **10:05**
